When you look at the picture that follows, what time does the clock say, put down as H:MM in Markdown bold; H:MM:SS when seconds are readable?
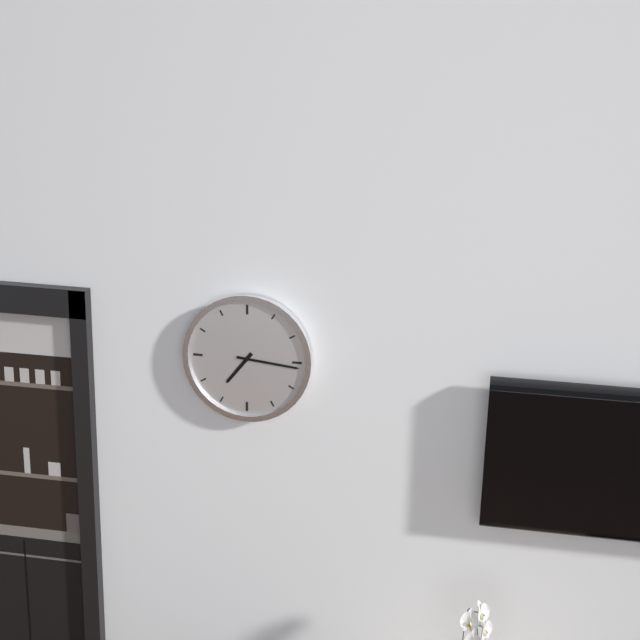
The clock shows **7:16**
